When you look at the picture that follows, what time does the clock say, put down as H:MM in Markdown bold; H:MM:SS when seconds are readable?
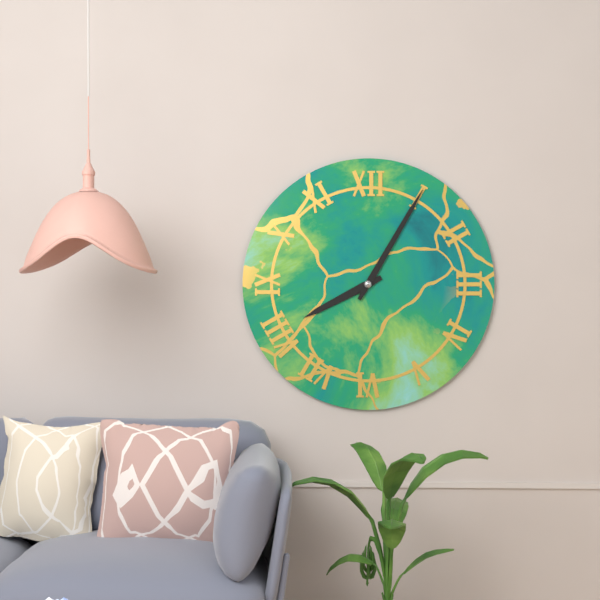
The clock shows **8:05**
